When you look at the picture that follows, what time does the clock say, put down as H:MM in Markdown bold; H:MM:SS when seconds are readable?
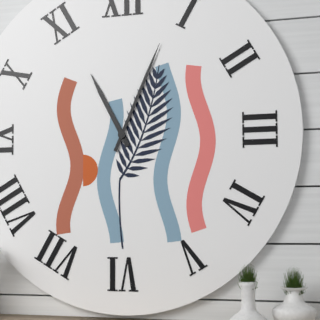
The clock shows **11:04**
